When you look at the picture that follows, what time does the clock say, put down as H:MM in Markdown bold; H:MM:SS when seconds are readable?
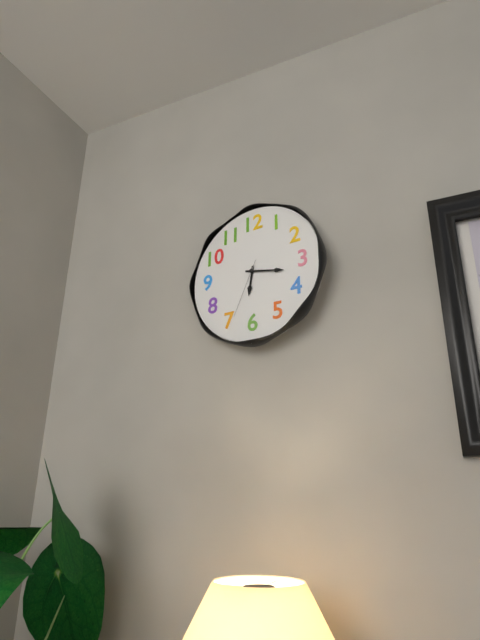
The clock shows **6:17:34**
